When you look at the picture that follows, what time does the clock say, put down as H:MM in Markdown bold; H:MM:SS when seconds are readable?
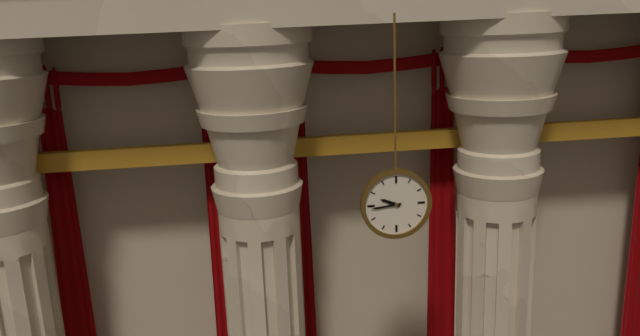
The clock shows **9:44**
